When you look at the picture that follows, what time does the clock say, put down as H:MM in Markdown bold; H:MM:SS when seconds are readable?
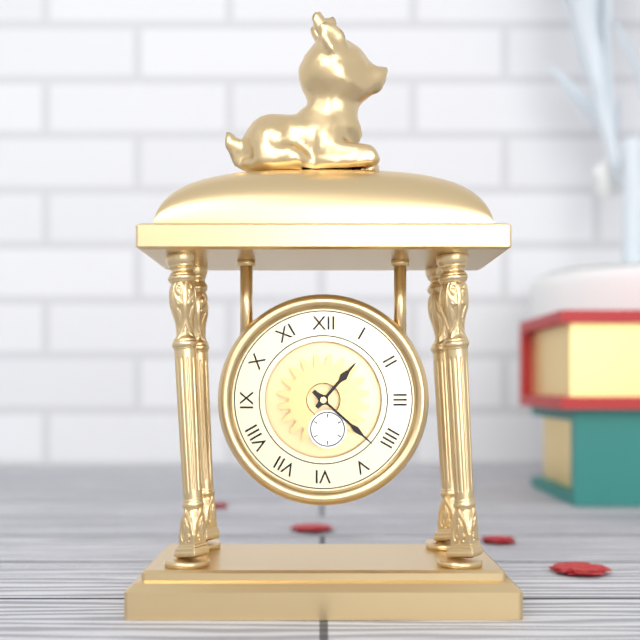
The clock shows **1:22**
